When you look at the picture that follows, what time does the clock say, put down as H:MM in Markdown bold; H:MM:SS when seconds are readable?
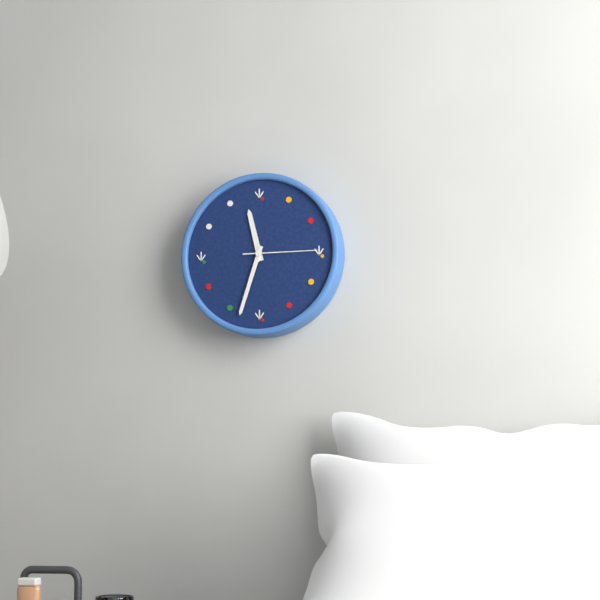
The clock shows **11:33:15**
